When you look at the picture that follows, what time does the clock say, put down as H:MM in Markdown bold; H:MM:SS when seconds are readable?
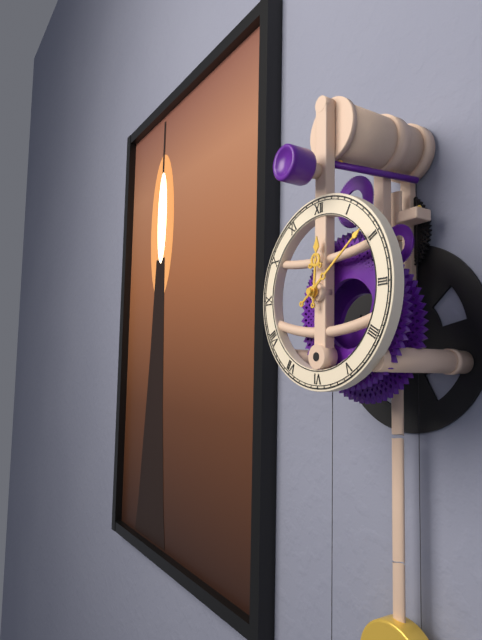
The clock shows **12:09**
